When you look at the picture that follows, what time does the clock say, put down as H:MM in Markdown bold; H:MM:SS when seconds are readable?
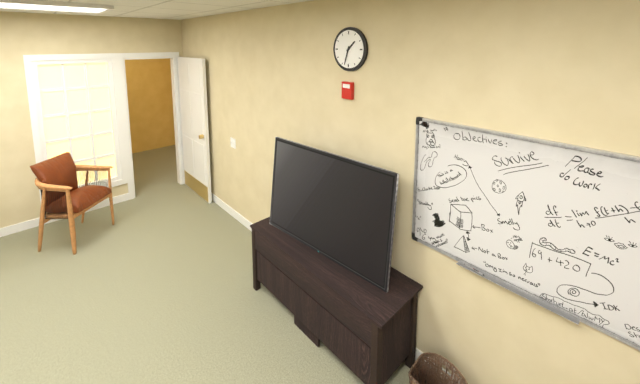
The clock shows **1:33**
